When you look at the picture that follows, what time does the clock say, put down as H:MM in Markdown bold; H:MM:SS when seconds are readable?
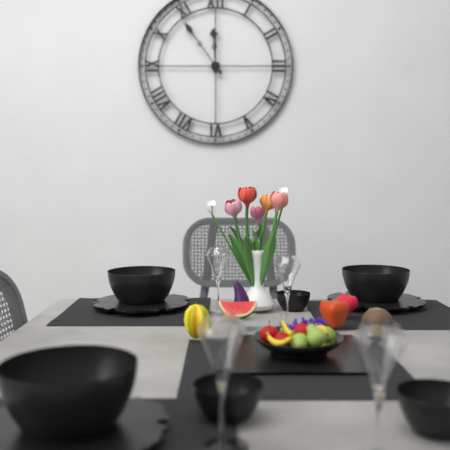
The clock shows **11:54**
